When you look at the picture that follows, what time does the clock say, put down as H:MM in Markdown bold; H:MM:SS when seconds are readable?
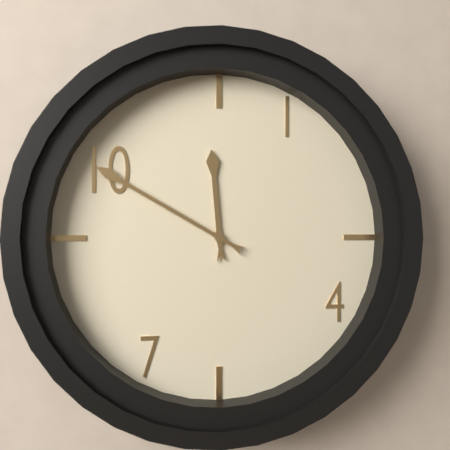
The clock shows **11:50**
